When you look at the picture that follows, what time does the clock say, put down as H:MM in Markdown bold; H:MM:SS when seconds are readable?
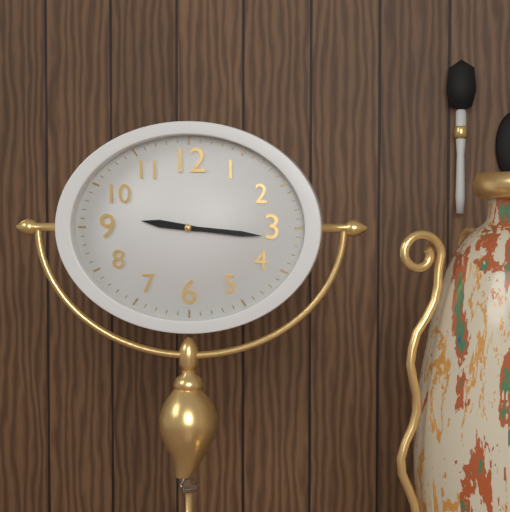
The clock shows **9:16**
